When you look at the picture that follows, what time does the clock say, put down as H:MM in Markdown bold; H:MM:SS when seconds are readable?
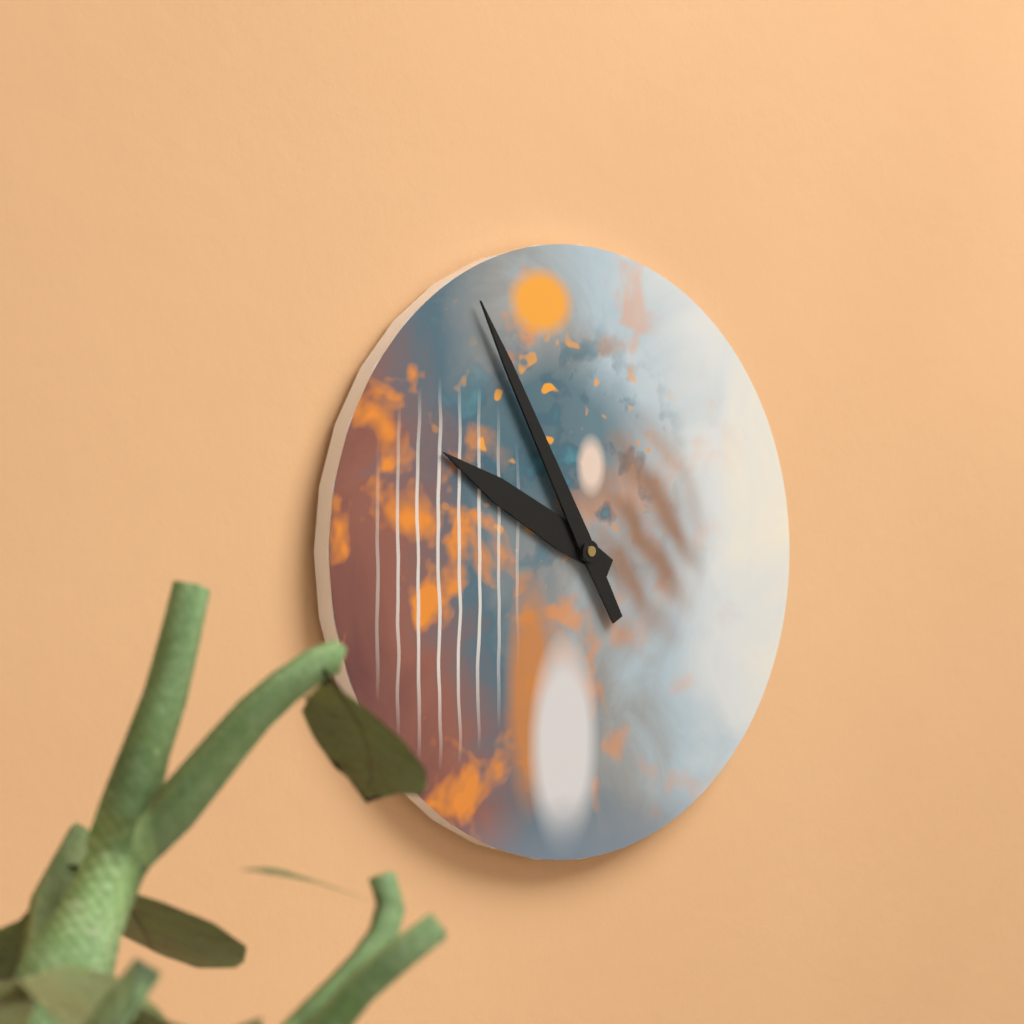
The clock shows **9:55**
